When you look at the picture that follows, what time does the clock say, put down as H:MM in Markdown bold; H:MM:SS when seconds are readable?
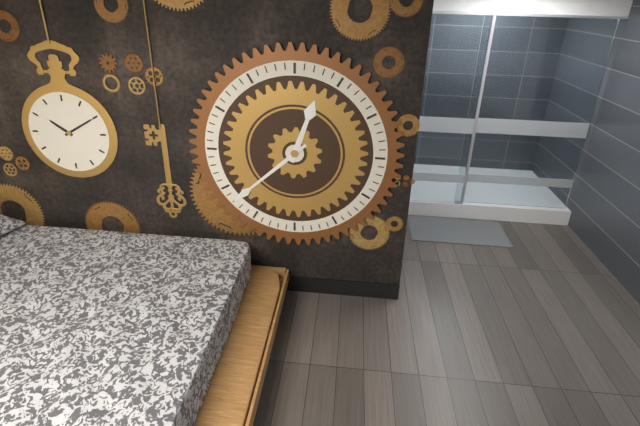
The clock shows **12:38**
